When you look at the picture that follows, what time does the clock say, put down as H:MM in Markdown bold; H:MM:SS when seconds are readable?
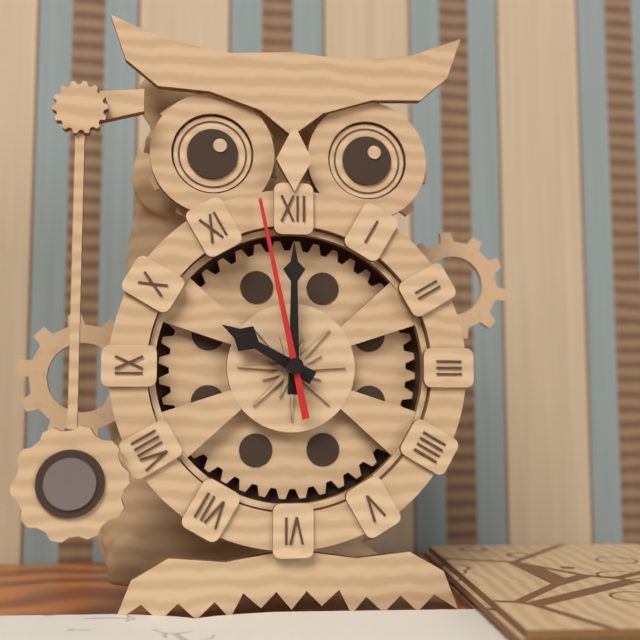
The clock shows **10:00:58**
